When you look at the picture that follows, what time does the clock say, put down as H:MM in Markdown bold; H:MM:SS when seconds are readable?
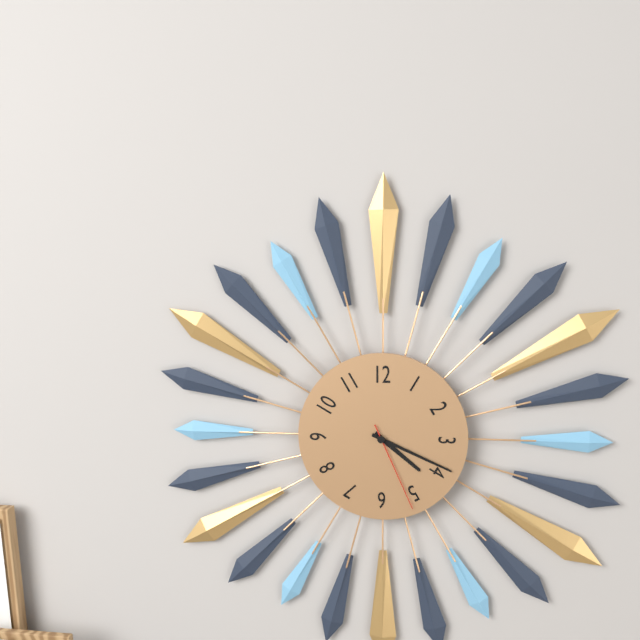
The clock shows **4:19:26**
